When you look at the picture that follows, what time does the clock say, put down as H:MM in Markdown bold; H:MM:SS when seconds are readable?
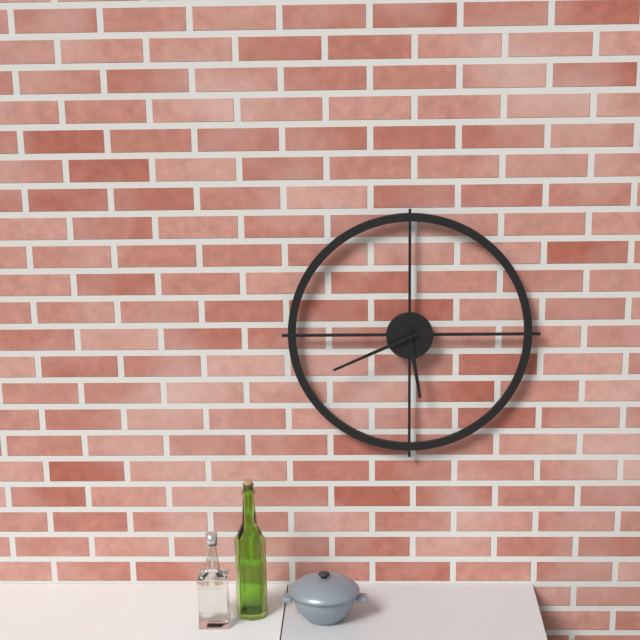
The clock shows **5:41**
